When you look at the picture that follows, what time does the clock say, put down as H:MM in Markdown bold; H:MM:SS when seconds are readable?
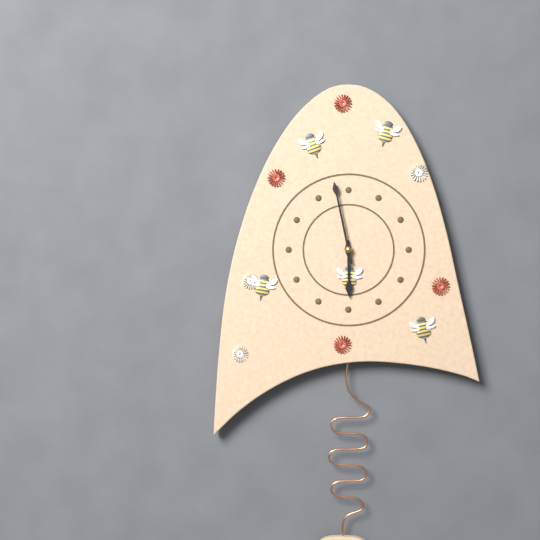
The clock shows **5:58**
